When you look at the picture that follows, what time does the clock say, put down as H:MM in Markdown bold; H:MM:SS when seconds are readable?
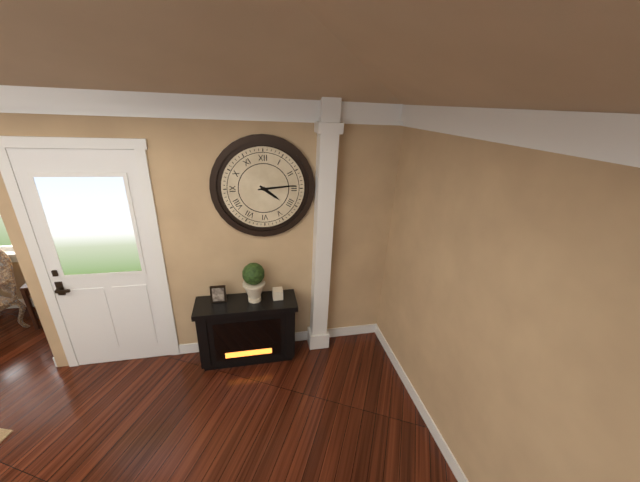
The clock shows **4:14**
